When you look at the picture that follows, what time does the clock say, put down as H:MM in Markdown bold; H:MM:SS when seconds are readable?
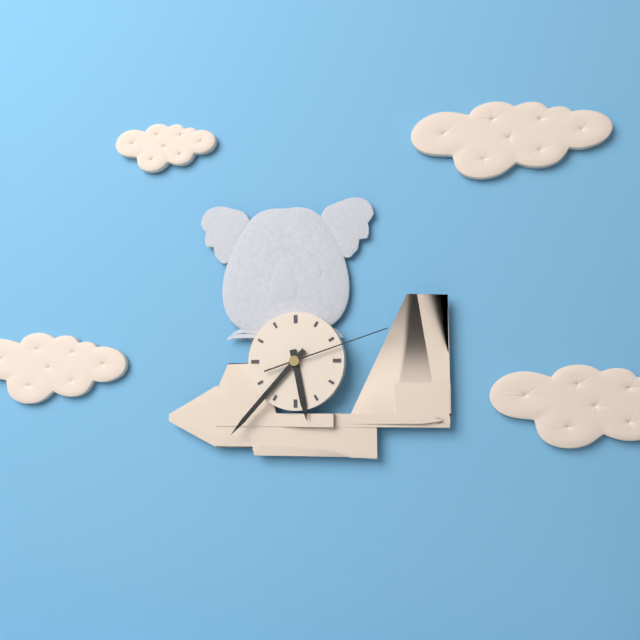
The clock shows **5:37:12**
